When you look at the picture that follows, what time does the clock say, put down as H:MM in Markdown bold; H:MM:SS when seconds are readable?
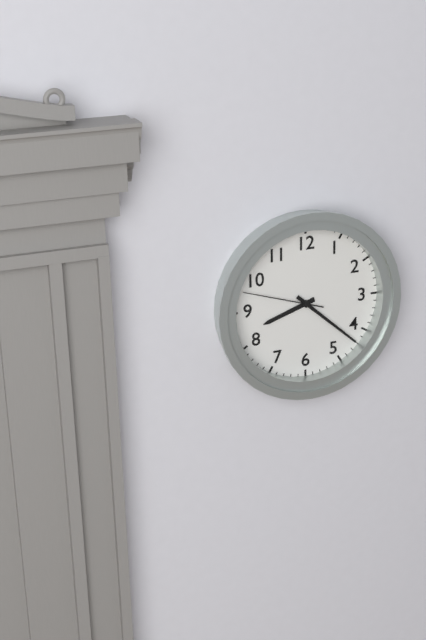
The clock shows **8:22:48**
